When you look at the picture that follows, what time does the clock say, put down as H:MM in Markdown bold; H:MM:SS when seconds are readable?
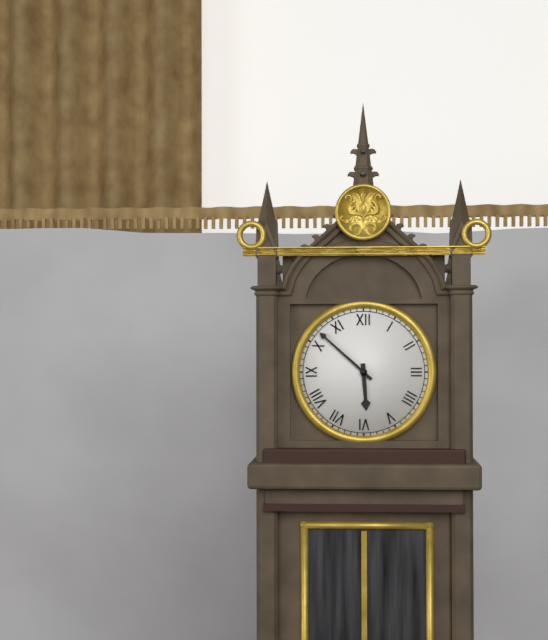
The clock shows **5:52**
